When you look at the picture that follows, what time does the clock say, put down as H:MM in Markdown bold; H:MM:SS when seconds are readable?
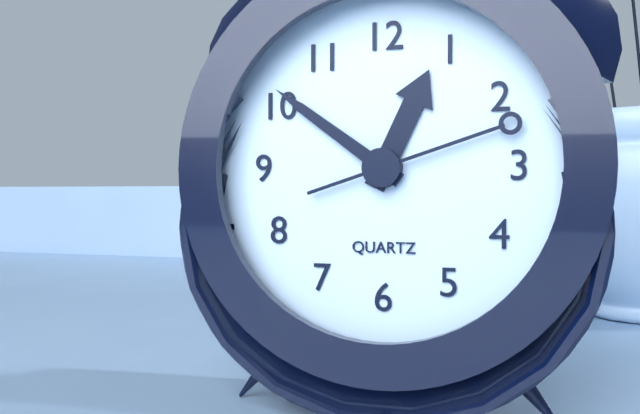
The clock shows **12:51:12**
